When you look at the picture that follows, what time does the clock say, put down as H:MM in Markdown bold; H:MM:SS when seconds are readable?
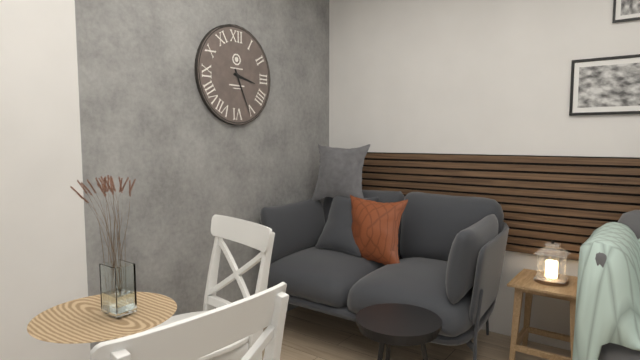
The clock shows **3:26**
